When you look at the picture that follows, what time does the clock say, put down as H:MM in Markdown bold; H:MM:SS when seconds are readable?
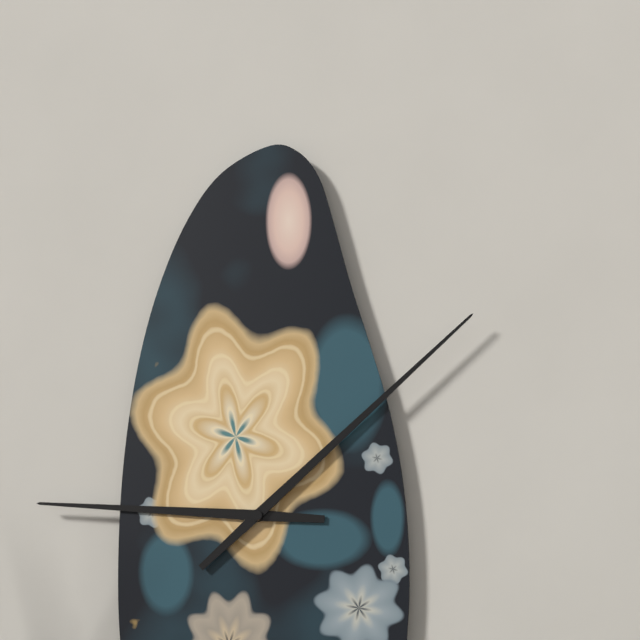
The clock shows **9:08**
